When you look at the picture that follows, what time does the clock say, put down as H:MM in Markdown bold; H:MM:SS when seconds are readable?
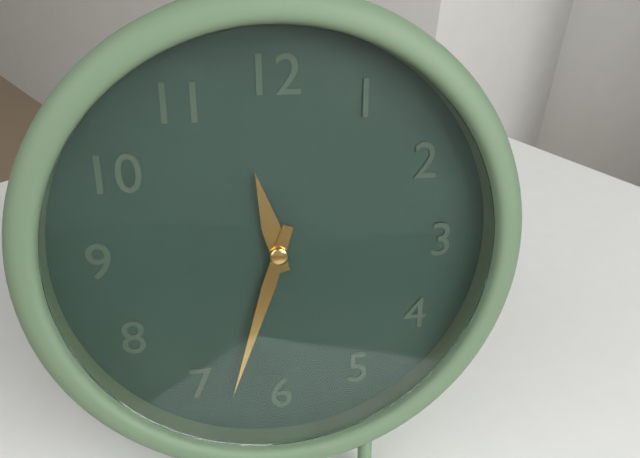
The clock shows **11:33**
